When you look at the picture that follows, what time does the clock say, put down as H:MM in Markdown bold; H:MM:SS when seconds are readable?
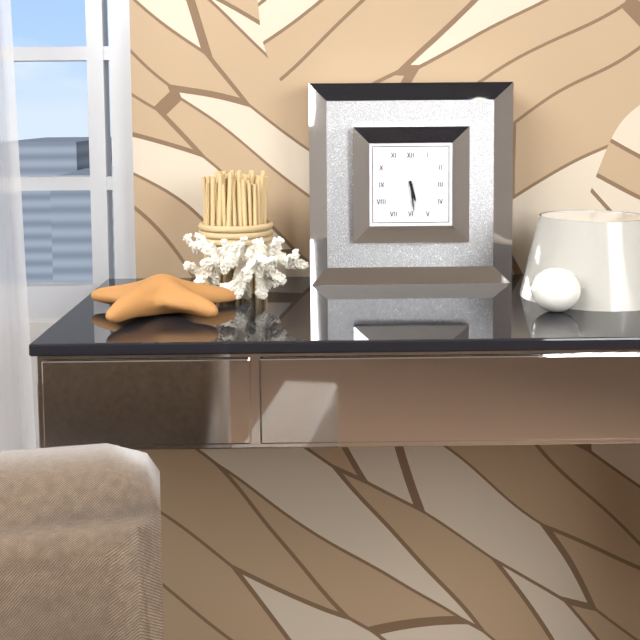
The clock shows **5:29**
